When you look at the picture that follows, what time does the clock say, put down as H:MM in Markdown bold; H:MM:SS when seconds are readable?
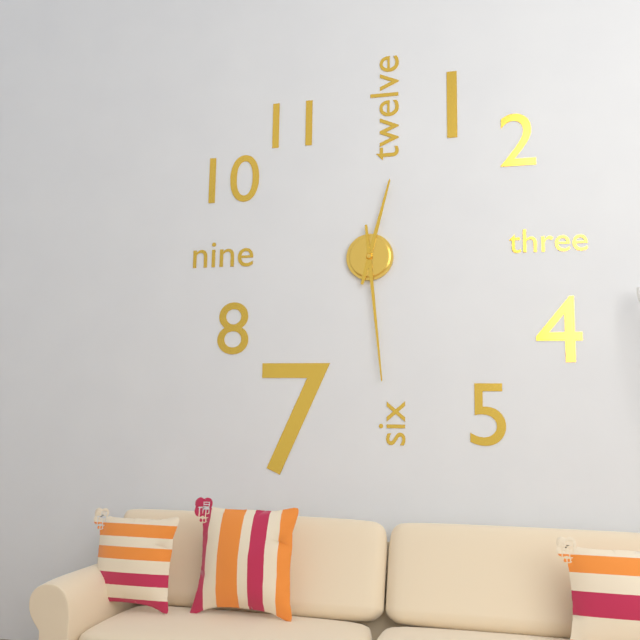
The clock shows **12:29**
